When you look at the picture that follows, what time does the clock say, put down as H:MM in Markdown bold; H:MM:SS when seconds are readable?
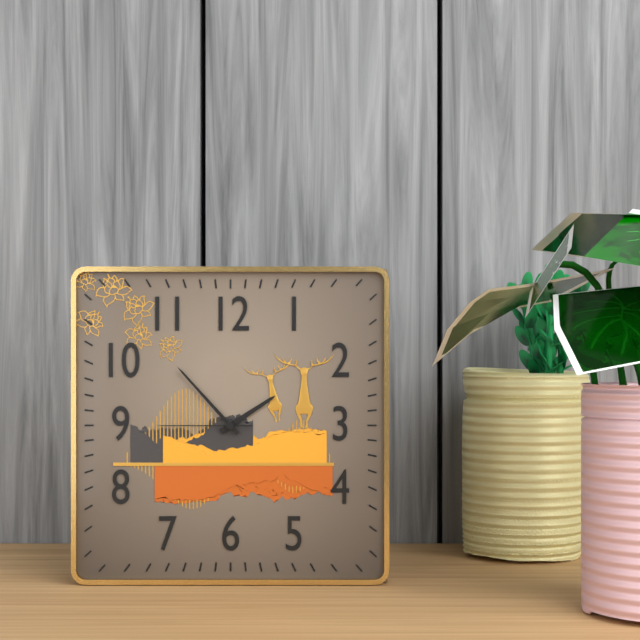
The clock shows **1:53:45**
